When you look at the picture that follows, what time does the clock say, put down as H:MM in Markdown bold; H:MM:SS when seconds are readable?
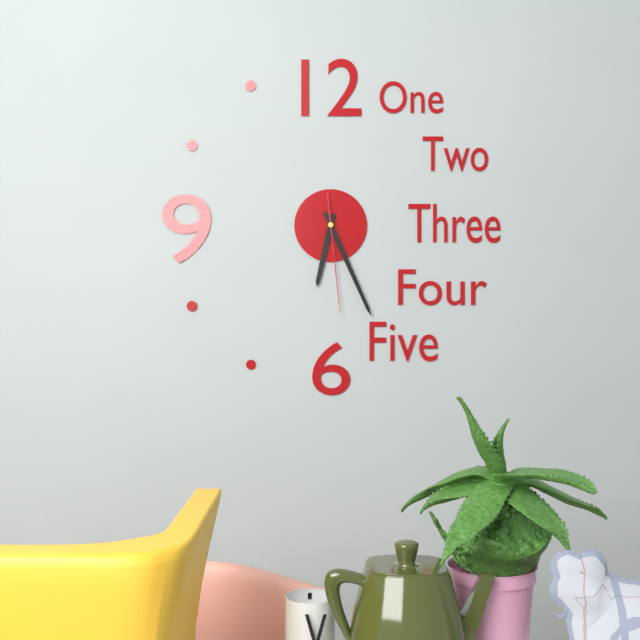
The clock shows **6:26:29**
